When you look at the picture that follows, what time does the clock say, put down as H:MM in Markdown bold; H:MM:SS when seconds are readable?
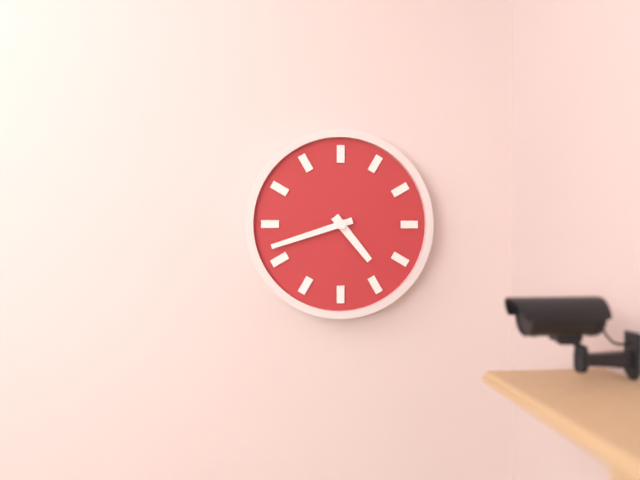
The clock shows **4:42**
